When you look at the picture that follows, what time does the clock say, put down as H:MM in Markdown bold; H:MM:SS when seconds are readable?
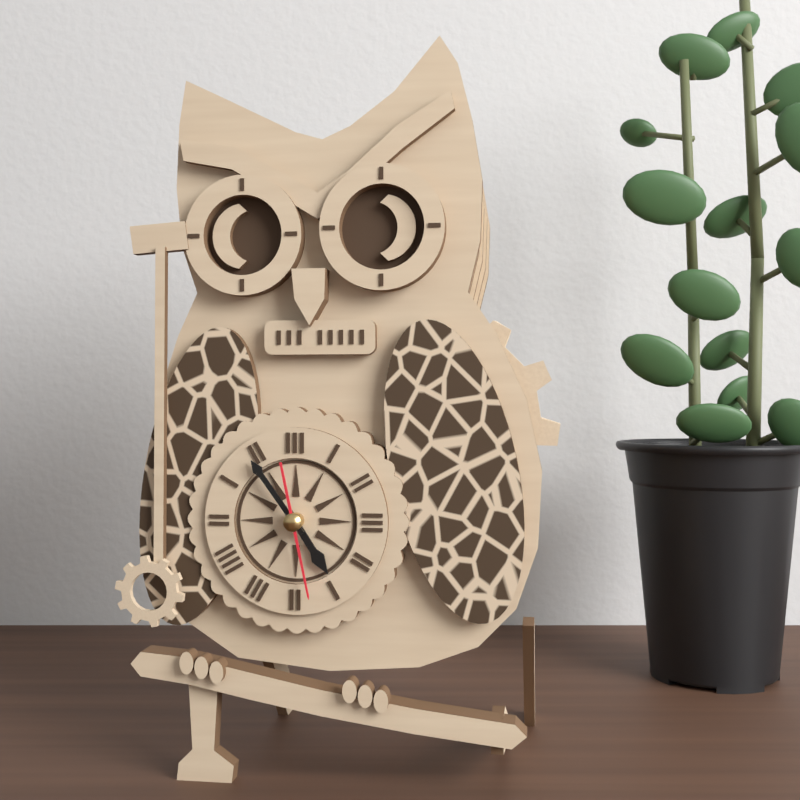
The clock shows **4:54:28**
